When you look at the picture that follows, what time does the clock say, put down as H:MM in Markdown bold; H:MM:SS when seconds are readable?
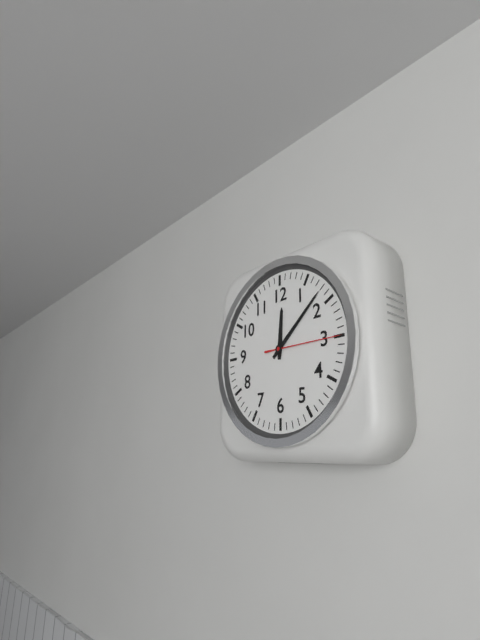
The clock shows **12:08:15**
